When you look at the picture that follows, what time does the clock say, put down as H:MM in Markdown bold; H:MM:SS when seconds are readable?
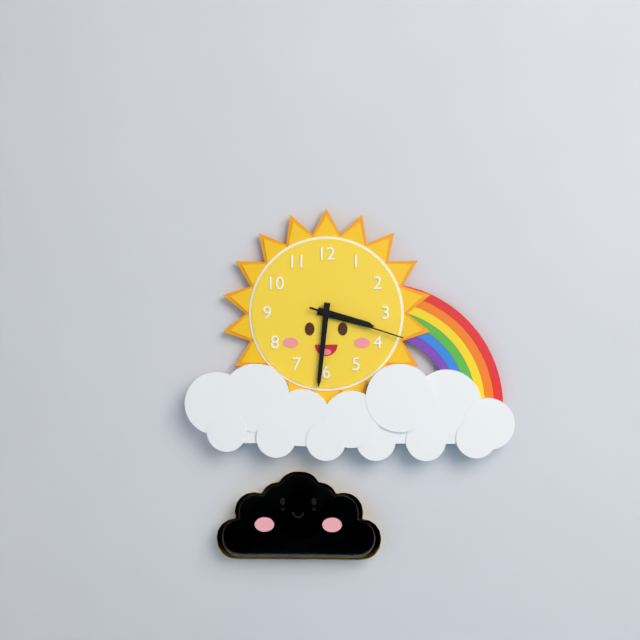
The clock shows **3:31:18**
